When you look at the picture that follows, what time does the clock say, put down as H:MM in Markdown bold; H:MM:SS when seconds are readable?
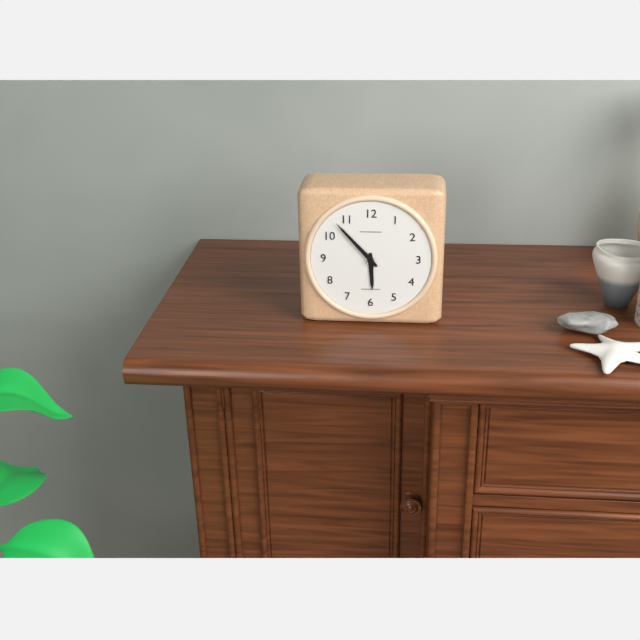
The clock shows **5:53**
